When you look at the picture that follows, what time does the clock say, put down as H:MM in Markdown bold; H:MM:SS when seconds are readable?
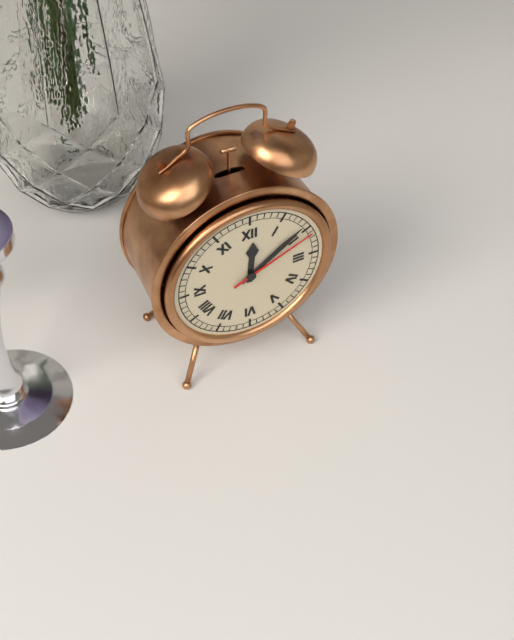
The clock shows **12:09:11**
